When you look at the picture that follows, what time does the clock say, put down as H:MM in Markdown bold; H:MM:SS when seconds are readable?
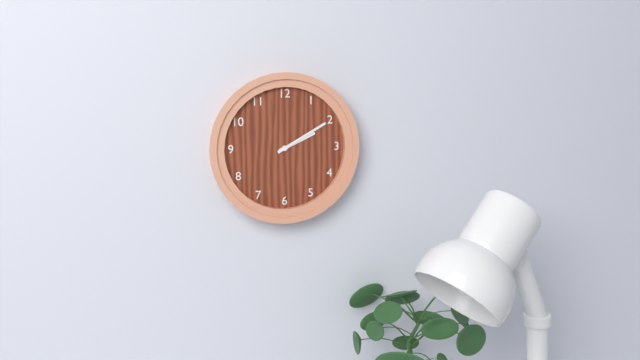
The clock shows **2:10**
